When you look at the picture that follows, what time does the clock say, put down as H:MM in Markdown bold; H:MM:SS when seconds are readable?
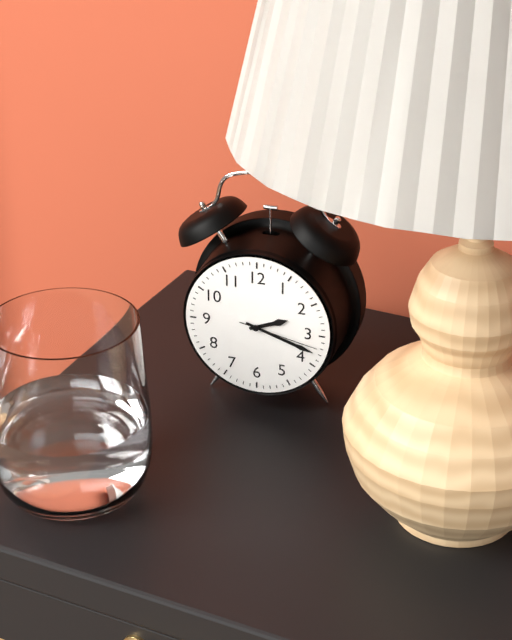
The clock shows **2:18:17**
